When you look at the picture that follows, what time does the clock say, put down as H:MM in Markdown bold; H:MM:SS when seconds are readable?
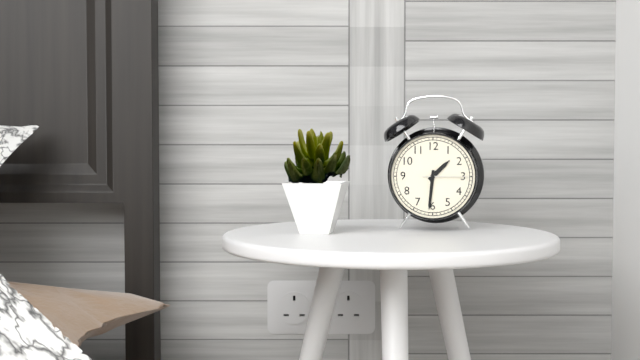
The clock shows **1:31**
